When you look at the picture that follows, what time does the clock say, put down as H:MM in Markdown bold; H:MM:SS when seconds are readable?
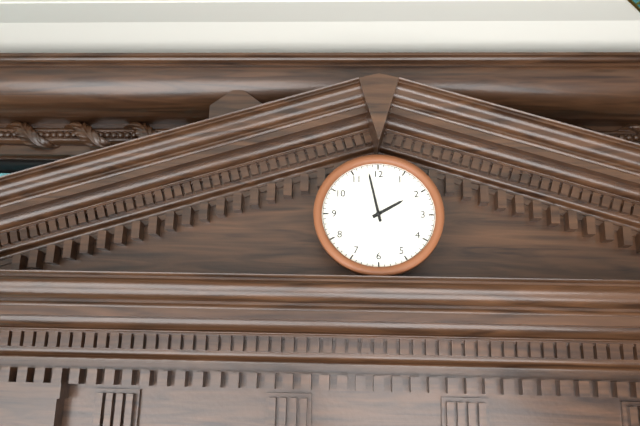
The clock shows **1:58**
